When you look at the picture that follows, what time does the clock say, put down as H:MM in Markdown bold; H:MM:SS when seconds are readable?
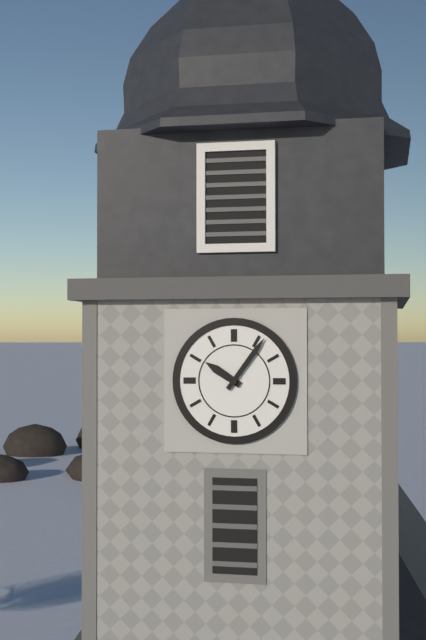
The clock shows **10:06**
